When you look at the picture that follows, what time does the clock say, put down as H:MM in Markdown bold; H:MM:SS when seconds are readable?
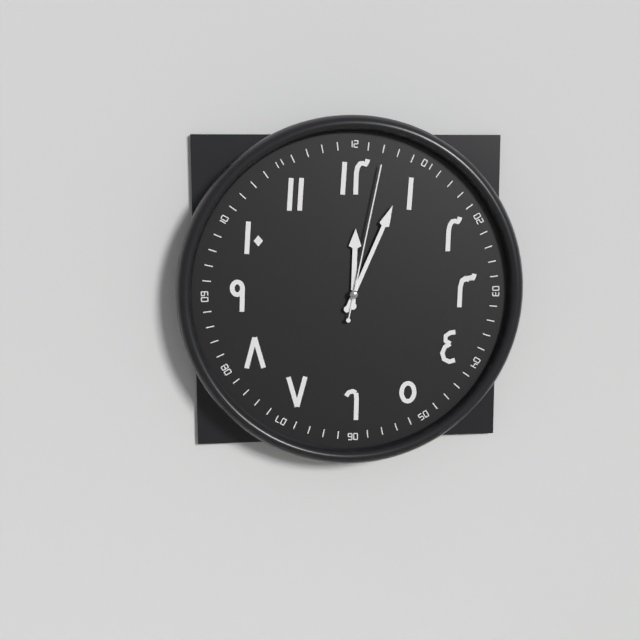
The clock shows **12:04:02**
